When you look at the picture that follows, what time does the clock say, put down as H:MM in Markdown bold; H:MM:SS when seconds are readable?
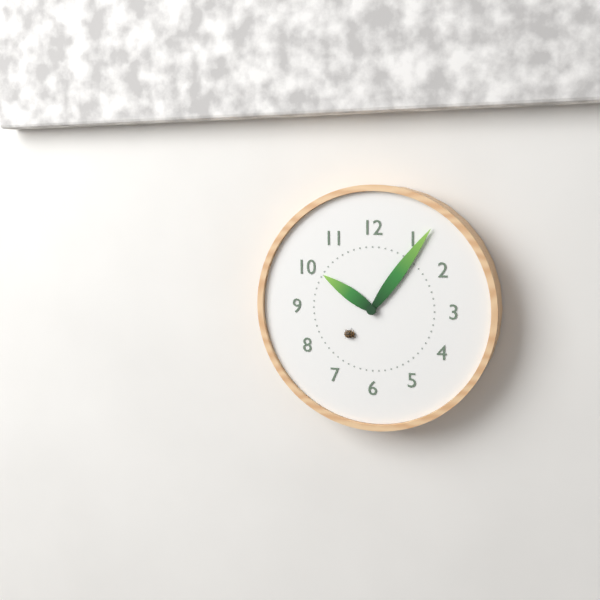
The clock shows **10:06**
